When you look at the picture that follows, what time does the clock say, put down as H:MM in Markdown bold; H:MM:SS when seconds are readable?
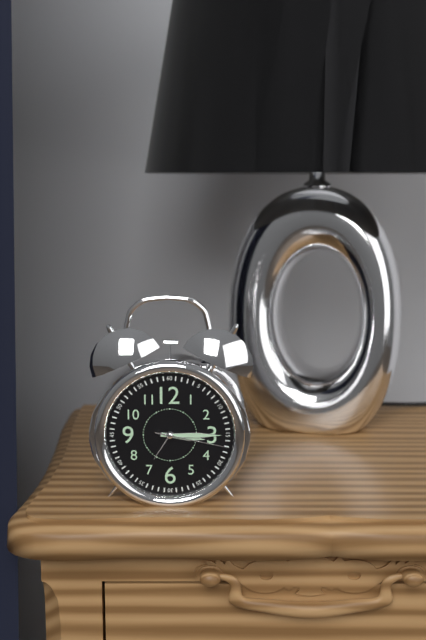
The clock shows **3:15:17**
